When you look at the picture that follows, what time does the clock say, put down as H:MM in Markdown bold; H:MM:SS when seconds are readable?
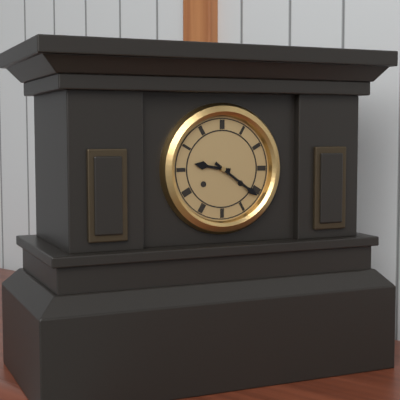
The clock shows **9:21**
